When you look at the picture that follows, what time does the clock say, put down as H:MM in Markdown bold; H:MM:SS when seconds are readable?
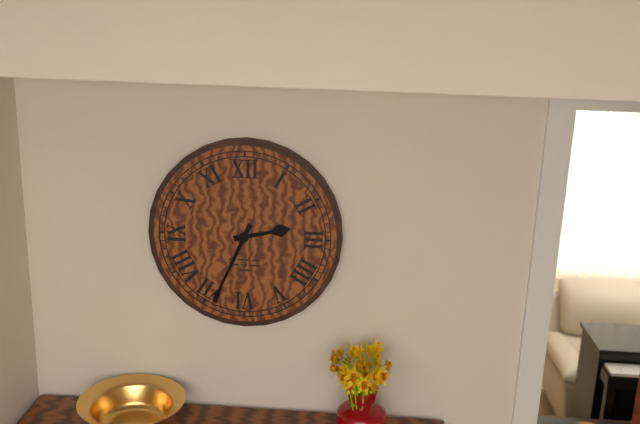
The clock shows **2:34**
